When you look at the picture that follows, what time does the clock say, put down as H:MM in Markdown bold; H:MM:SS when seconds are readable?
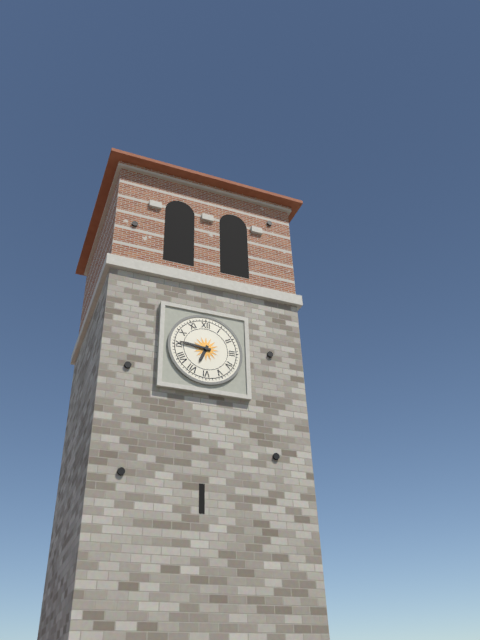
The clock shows **6:46**
